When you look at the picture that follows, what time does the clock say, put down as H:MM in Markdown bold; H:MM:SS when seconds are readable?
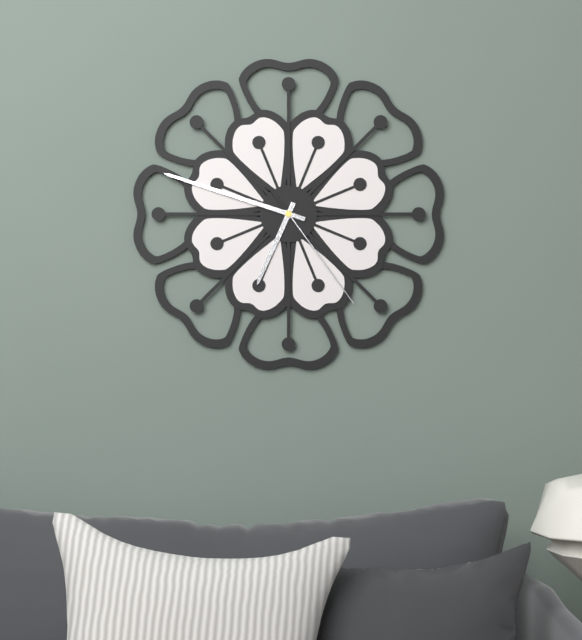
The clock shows **6:48:24**
